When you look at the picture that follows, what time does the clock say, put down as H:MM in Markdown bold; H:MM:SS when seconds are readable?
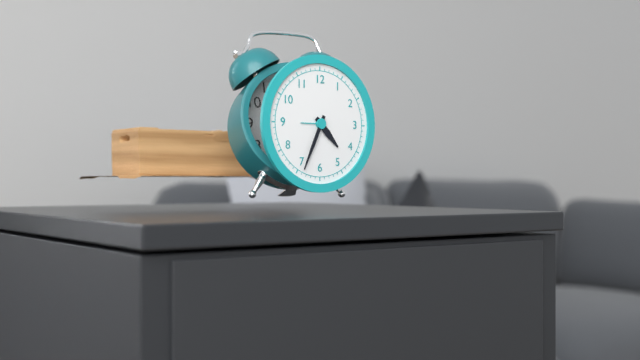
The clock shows **4:34**
